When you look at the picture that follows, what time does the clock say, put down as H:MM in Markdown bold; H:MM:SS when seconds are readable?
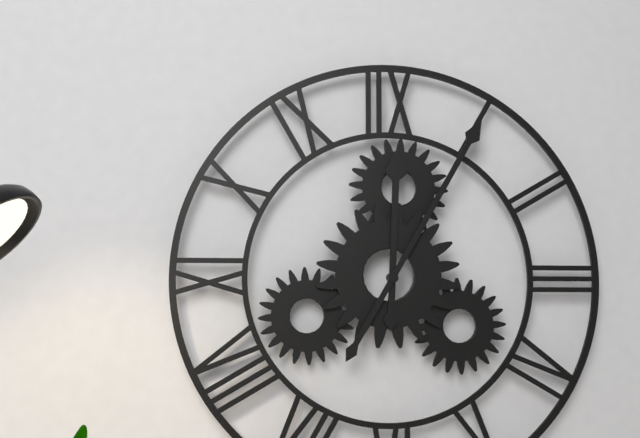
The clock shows **12:05**
